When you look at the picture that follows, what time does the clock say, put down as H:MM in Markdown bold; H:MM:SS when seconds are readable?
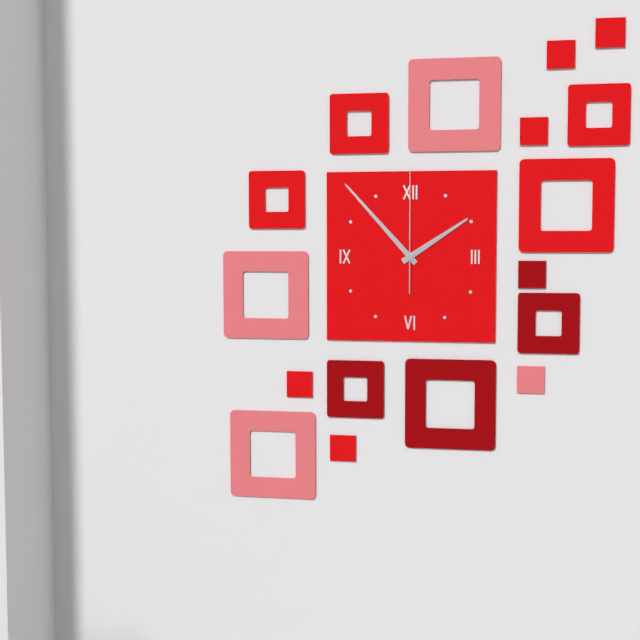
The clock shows **1:53:00**
